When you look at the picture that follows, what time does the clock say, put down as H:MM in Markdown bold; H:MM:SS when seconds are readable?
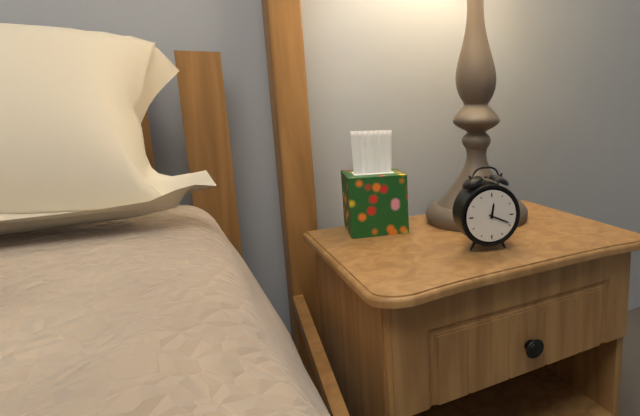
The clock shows **12:19**
